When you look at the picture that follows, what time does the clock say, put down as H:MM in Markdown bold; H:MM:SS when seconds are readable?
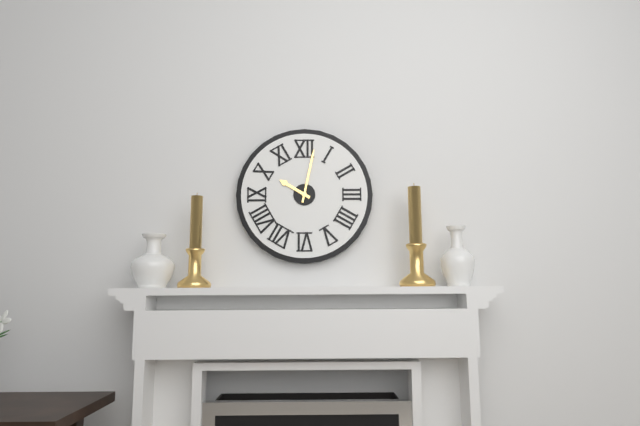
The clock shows **10:02**
